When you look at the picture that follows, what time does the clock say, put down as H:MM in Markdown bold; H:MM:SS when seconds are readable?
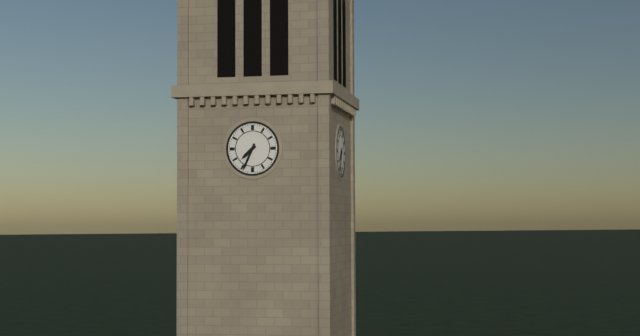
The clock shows **7:34**
